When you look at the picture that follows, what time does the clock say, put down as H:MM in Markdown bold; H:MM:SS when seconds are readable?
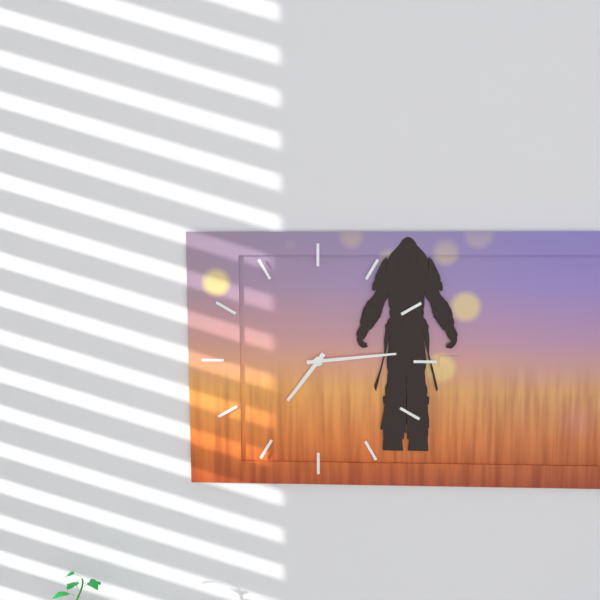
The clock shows **7:14**
